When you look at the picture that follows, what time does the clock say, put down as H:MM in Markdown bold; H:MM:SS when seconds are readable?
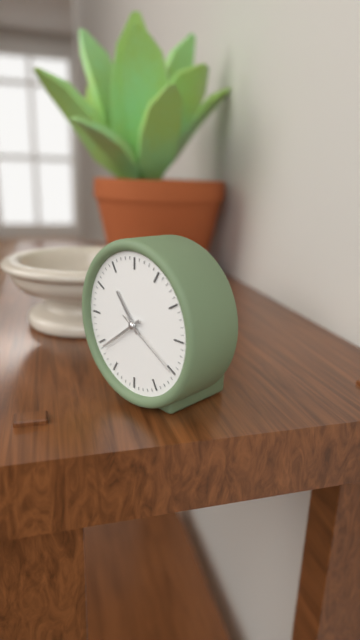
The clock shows **10:39:20**
